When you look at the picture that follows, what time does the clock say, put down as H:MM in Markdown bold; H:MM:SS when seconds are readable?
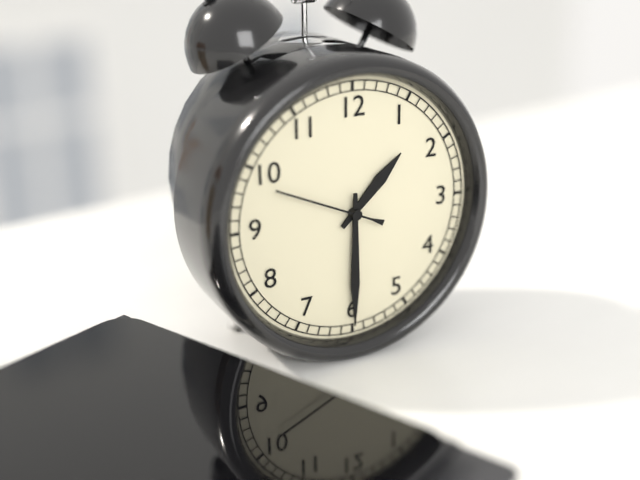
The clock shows **1:30:49**
